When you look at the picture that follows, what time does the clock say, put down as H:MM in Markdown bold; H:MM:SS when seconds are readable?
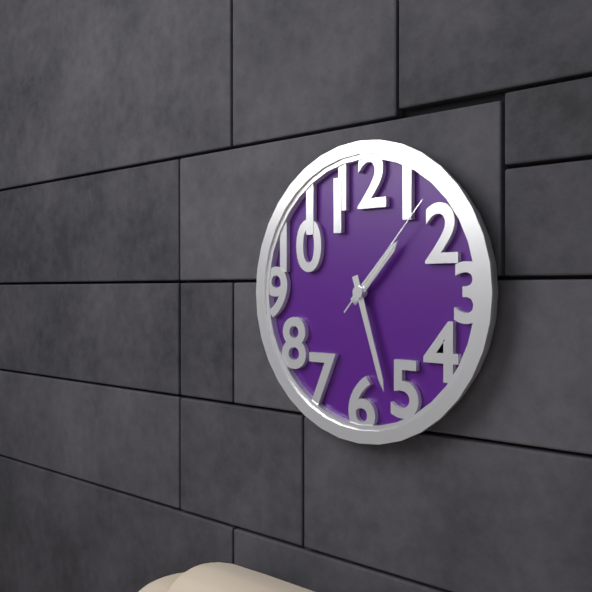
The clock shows **1:27:07**
